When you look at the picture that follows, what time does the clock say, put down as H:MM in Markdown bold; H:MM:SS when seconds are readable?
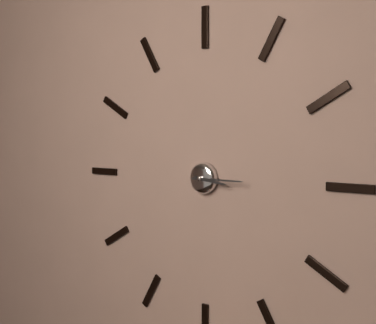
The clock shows **3:15**
